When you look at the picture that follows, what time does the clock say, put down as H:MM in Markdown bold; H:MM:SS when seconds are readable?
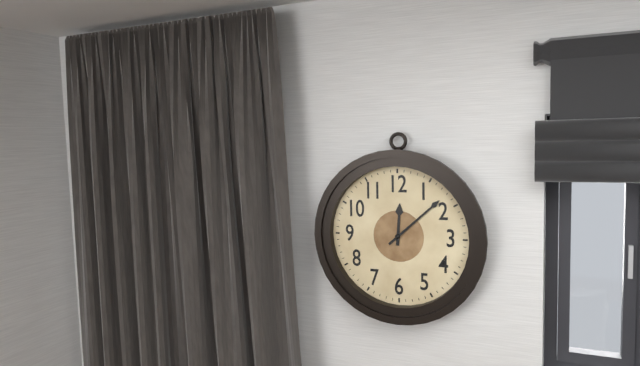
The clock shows **12:08**
